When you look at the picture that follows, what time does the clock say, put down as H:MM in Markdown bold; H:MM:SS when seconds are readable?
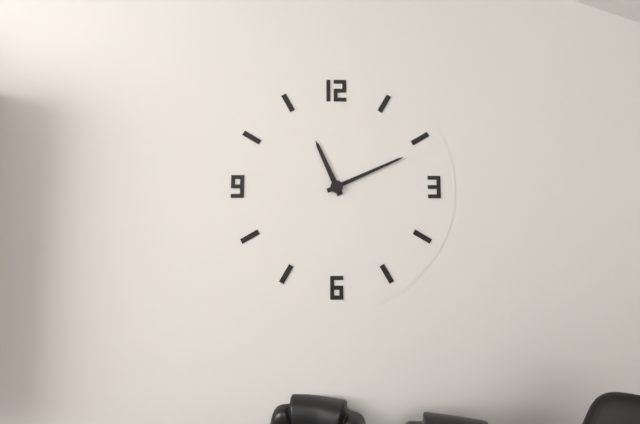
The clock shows **11:11**
